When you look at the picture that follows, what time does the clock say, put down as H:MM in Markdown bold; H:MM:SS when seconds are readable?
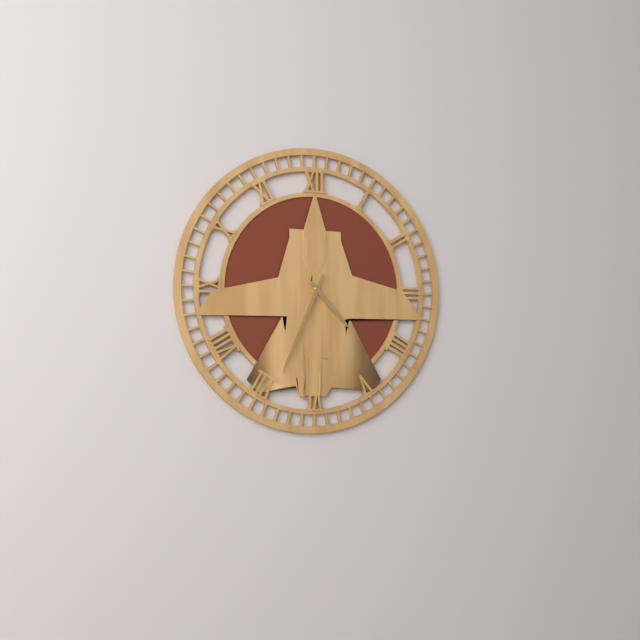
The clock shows **4:34**
